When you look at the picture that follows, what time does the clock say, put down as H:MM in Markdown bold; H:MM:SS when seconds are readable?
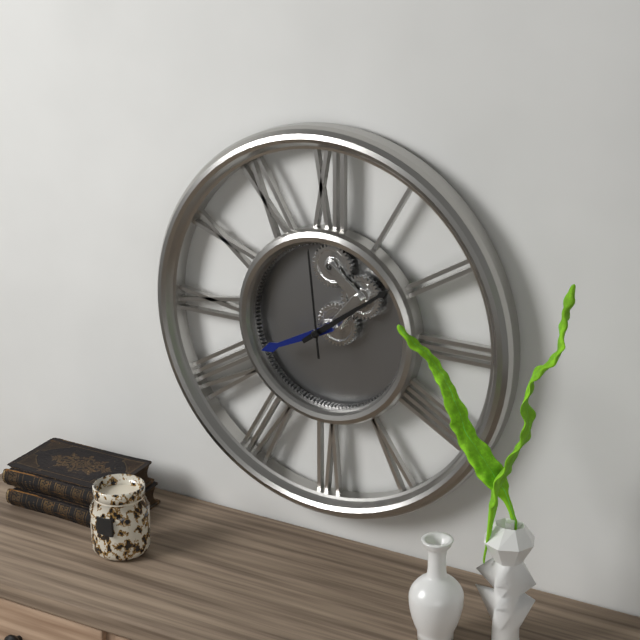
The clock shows **8:09:59**
